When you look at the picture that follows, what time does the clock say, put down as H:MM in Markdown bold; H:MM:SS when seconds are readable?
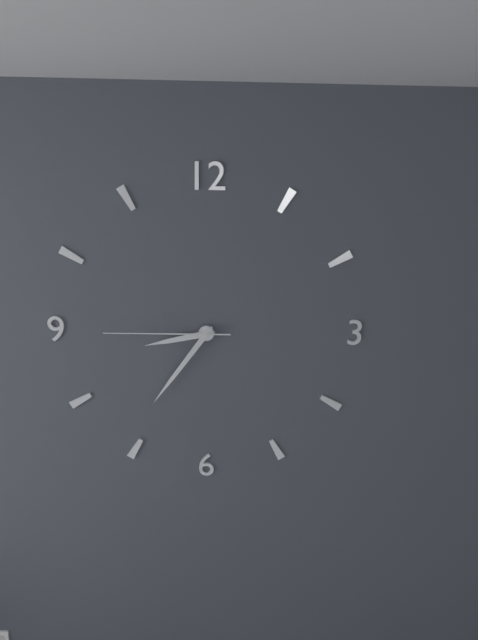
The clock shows **8:36:45**
